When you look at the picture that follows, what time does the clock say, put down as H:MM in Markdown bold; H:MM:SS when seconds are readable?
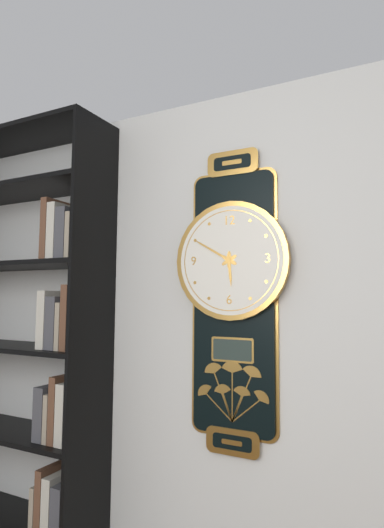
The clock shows **5:50**
